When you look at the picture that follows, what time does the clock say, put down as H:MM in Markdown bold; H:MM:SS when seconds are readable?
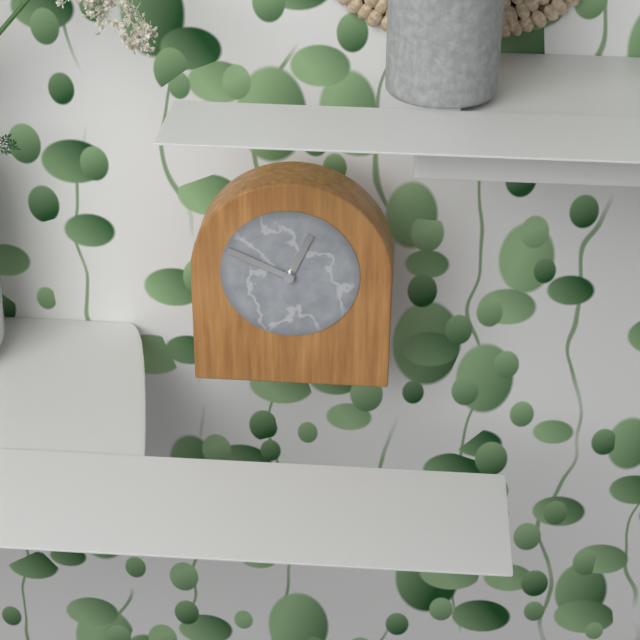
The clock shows **12:49**
